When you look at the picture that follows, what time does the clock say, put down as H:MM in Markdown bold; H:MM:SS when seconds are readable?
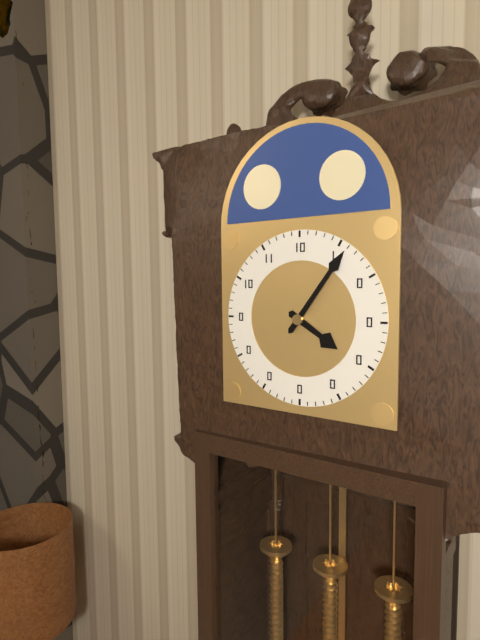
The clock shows **4:06**
